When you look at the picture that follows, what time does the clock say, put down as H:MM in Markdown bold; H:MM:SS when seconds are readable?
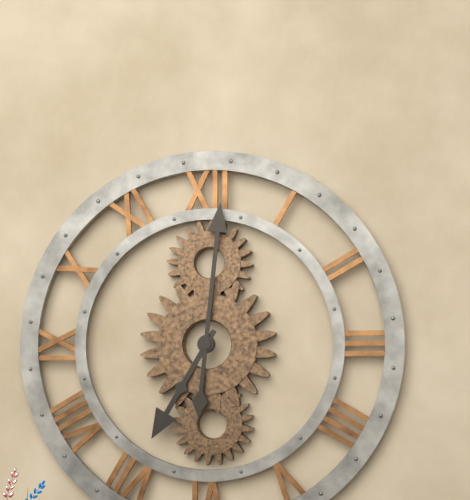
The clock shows **7:01**
